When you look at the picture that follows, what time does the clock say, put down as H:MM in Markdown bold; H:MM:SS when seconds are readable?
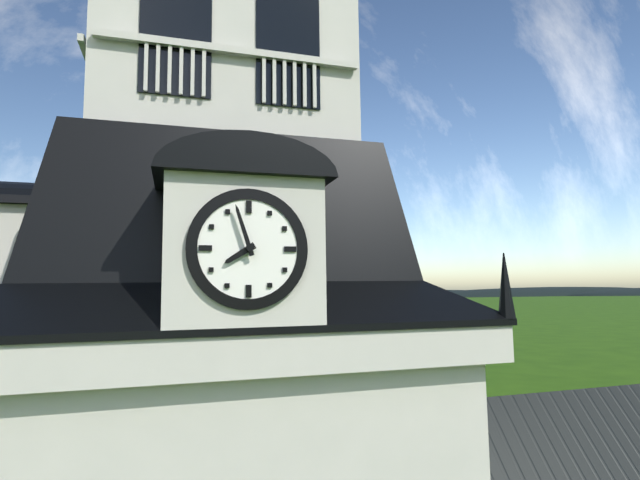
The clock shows **7:57**
